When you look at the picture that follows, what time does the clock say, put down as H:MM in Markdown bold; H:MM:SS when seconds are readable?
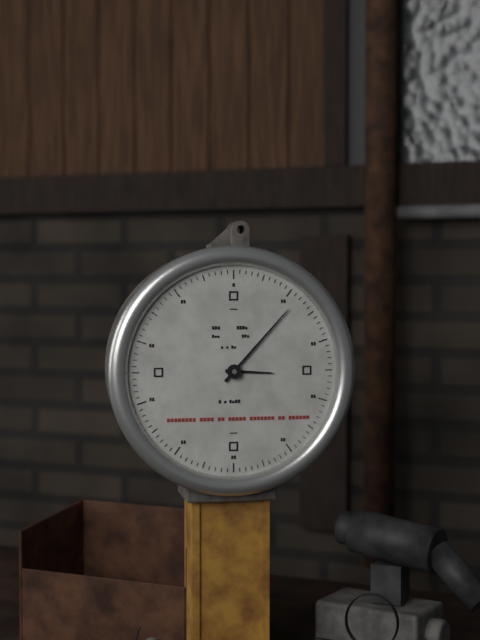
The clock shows **3:07**
